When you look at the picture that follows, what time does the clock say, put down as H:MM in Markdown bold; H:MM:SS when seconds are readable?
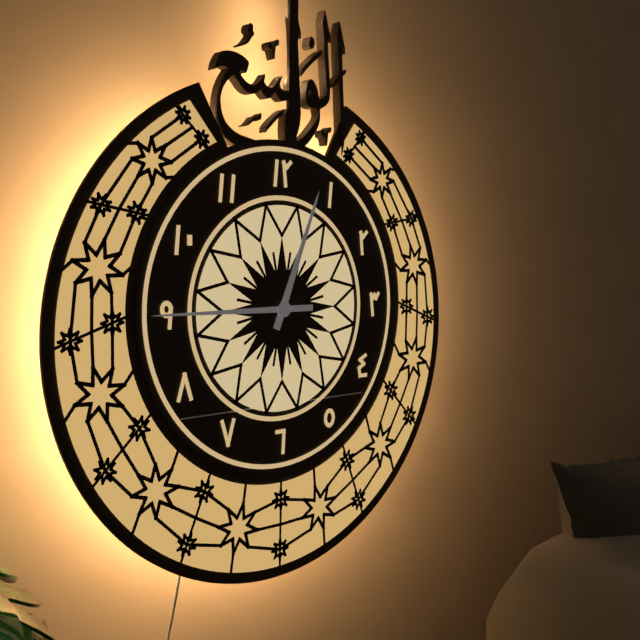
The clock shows **12:45**
